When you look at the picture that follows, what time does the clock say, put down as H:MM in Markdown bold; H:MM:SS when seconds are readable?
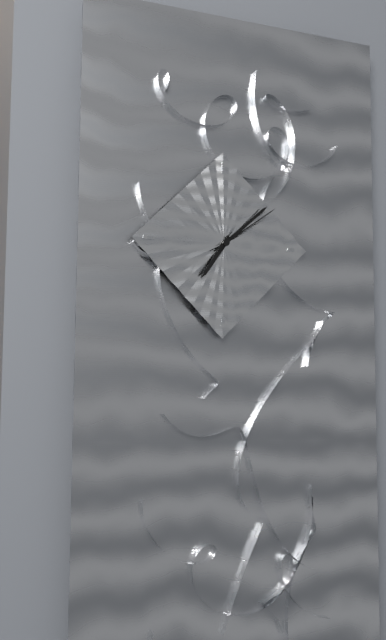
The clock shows **7:08:09**
